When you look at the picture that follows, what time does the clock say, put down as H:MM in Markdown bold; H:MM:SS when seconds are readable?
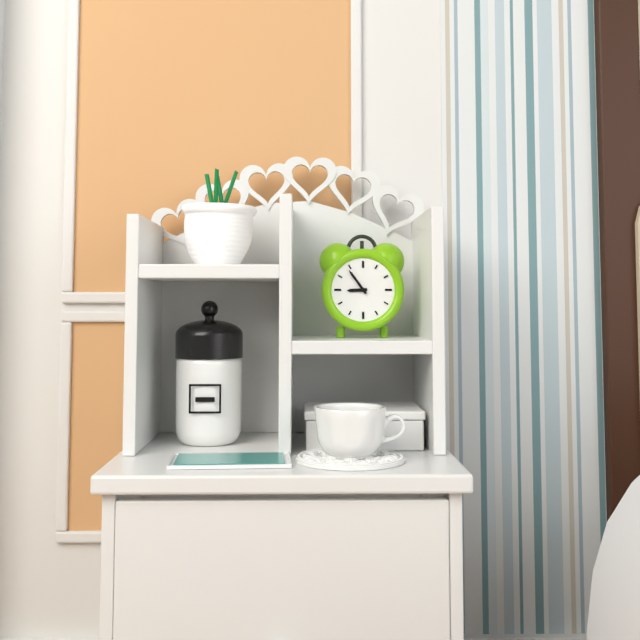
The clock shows **8:54**
